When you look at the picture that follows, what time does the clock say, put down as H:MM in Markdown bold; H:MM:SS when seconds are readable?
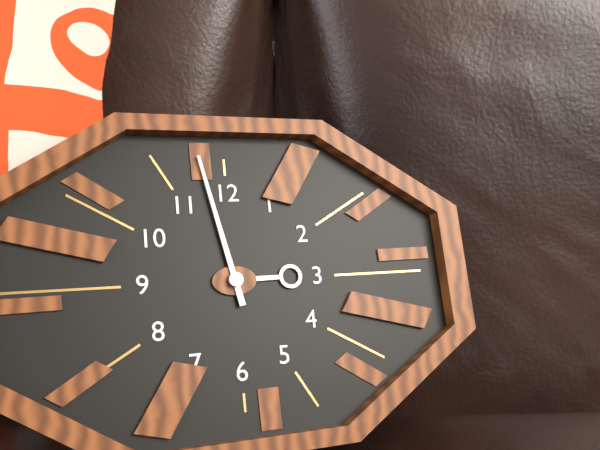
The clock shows **2:58**
